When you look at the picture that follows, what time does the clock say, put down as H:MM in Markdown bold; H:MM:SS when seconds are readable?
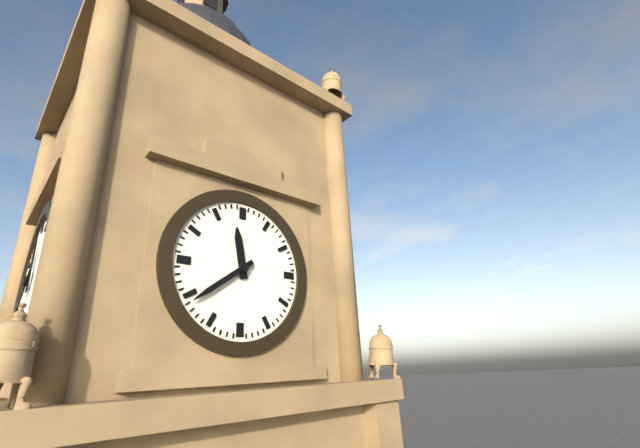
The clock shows **11:39**
